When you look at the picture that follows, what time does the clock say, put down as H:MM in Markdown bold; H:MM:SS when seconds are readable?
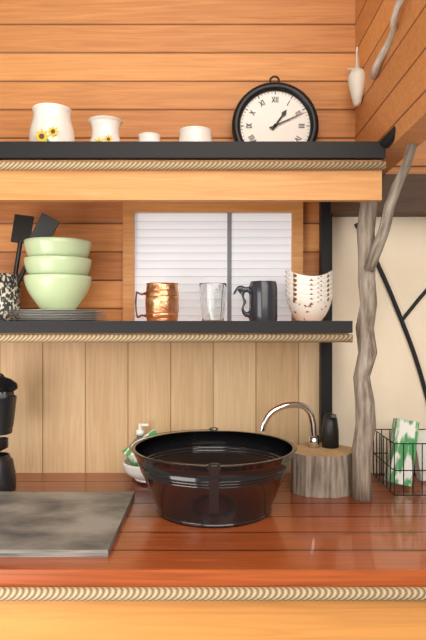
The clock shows **1:11**
